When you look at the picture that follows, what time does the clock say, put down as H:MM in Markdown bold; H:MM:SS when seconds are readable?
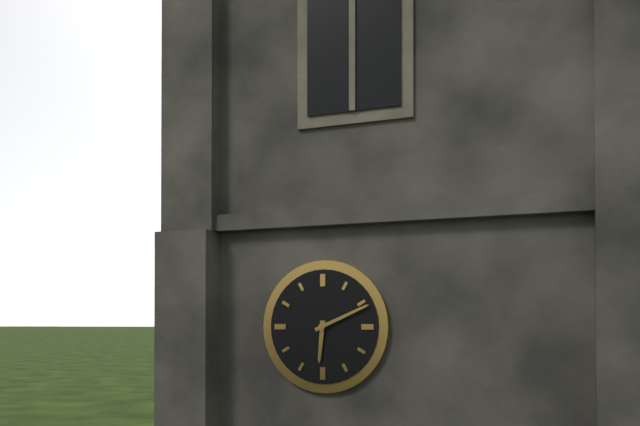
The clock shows **6:11**
